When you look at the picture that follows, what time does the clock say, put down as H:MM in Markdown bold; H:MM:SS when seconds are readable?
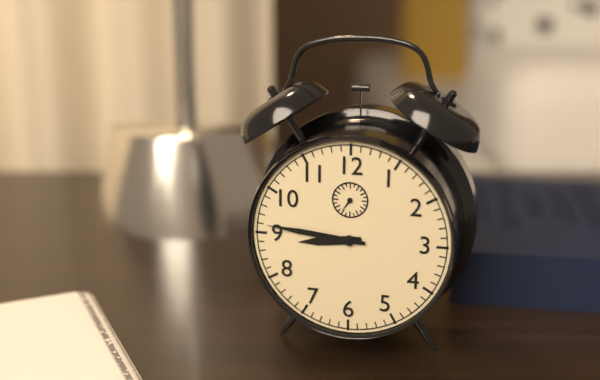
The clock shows **8:46**
